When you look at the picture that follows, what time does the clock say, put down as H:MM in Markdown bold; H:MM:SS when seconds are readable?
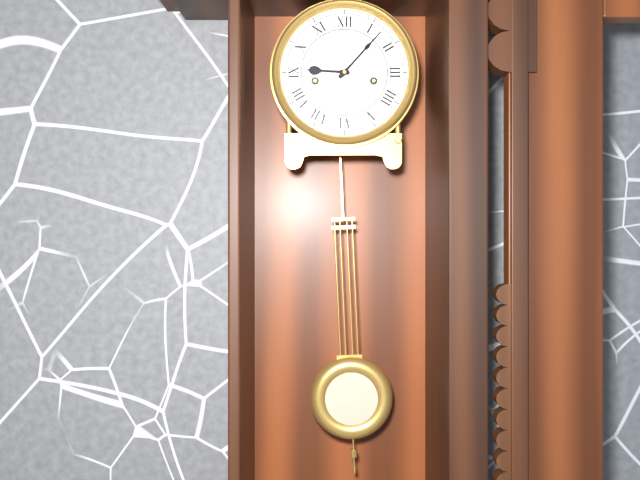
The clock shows **9:07**
